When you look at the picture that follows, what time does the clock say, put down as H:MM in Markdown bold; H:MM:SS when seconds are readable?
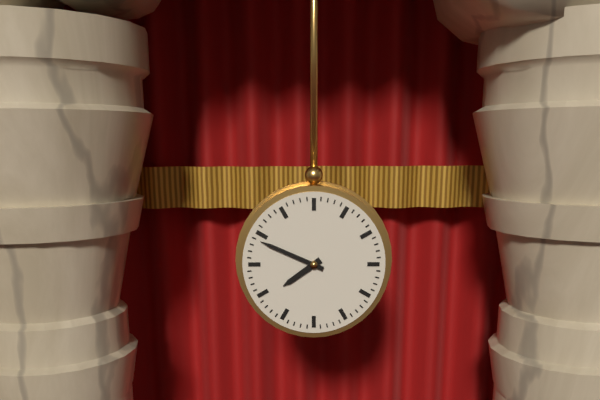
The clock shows **7:49**
